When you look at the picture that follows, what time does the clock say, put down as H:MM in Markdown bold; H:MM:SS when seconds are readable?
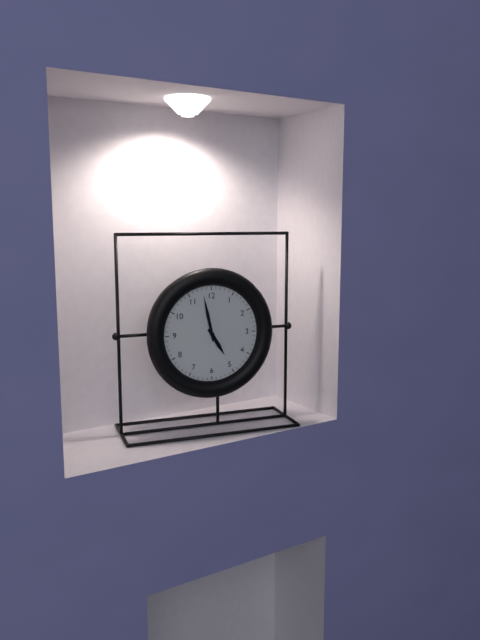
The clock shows **4:58**
